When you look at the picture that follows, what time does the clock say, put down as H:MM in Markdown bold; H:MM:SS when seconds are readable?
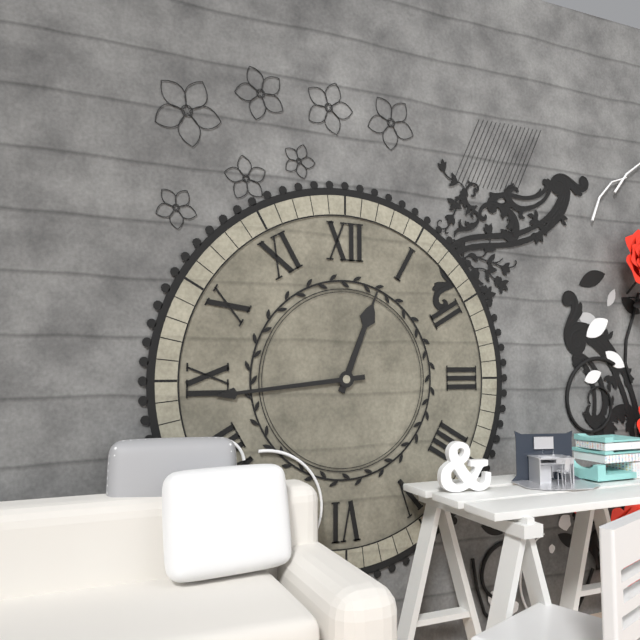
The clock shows **12:44**
